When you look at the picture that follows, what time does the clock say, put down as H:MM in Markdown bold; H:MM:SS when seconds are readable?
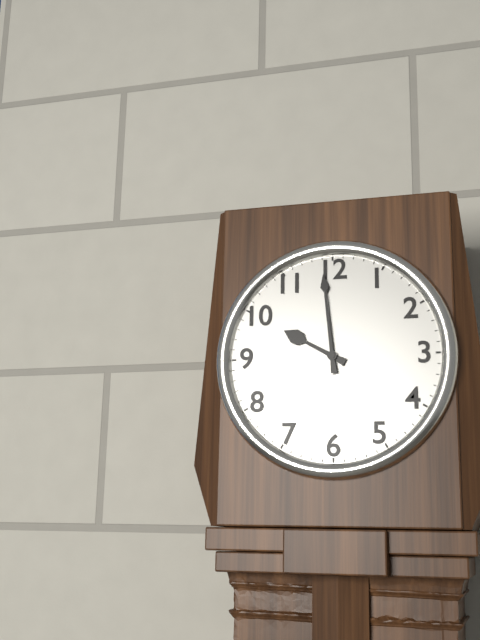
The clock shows **9:59**
